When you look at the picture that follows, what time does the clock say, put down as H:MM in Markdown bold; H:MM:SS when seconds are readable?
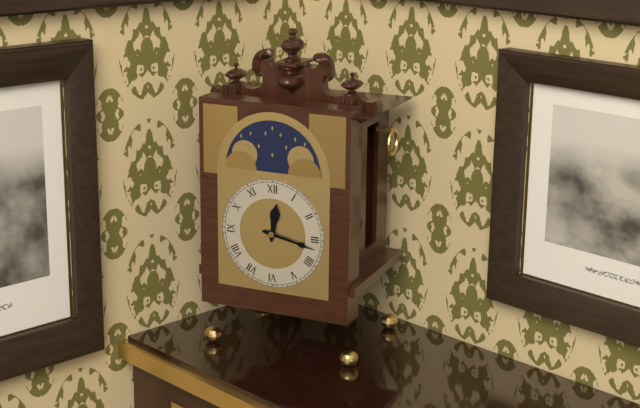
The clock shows **12:17**
